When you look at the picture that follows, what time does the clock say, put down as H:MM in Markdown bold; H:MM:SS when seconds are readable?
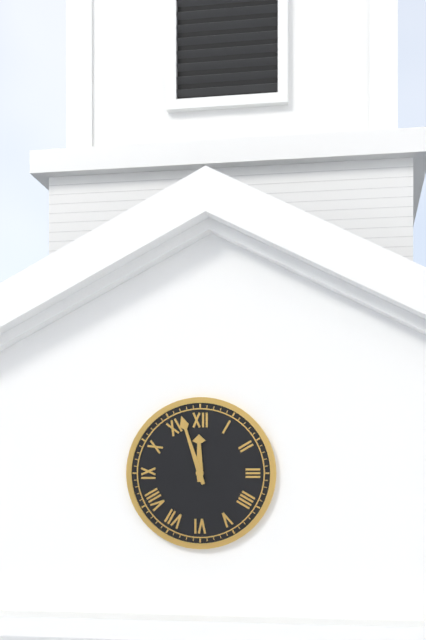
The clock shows **11:57**
